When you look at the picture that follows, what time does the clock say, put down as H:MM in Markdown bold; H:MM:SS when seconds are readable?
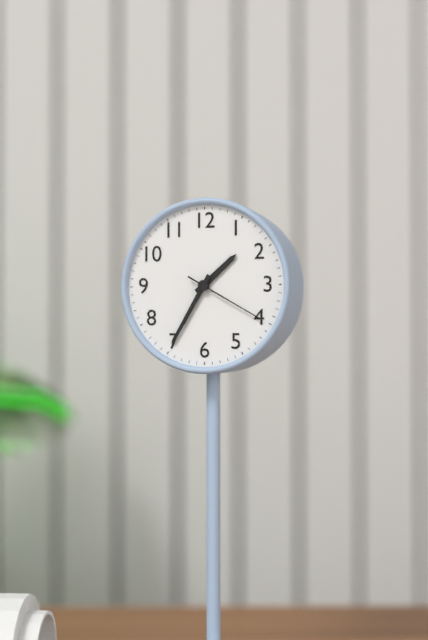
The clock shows **1:35:20**
